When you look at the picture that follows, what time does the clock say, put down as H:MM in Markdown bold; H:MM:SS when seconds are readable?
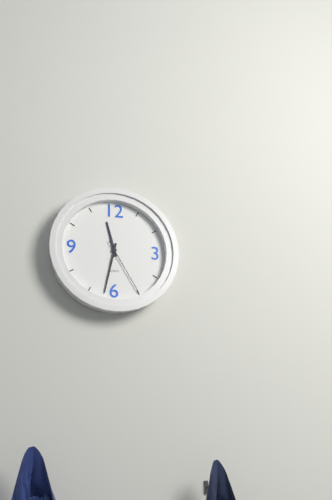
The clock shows **11:32:25**
